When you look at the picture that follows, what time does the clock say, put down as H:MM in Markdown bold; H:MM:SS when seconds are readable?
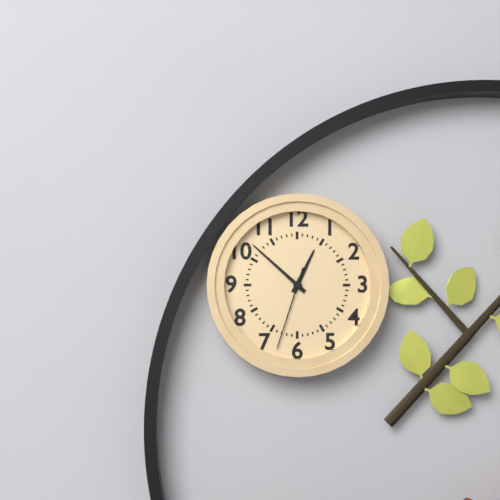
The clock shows **12:52:33**
